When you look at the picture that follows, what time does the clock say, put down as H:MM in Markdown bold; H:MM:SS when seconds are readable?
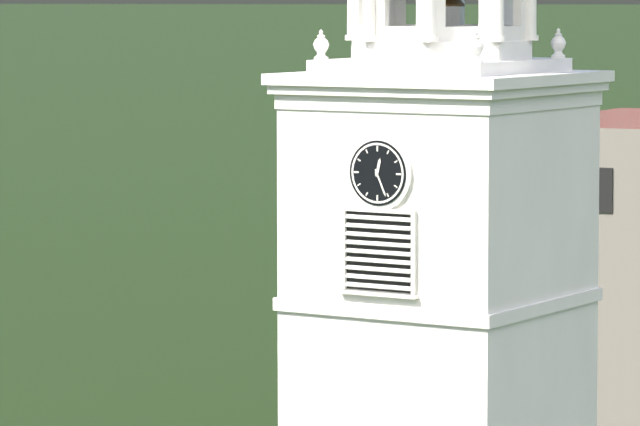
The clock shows **12:26**
